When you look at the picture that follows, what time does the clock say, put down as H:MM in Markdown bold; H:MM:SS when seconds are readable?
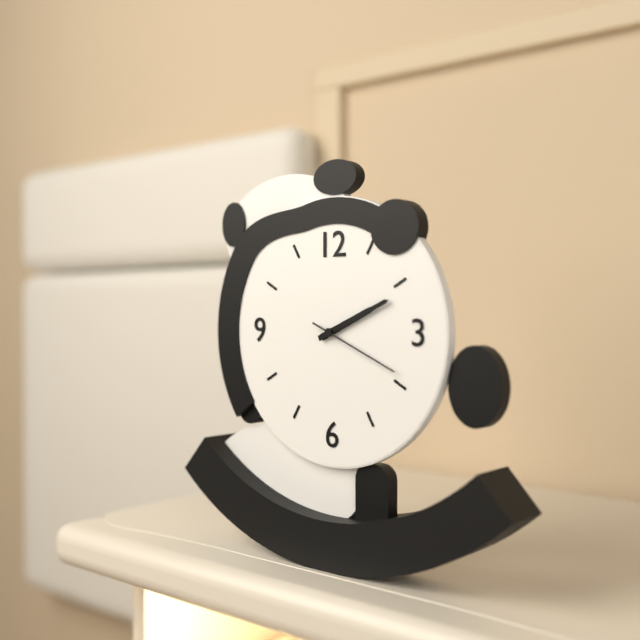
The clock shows **2:11:19**
